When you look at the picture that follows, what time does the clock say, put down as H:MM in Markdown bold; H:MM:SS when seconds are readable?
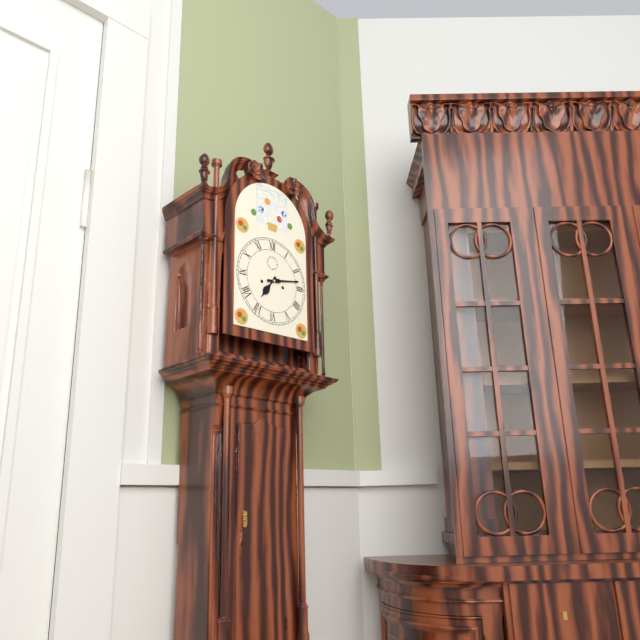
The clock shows **7:13**
